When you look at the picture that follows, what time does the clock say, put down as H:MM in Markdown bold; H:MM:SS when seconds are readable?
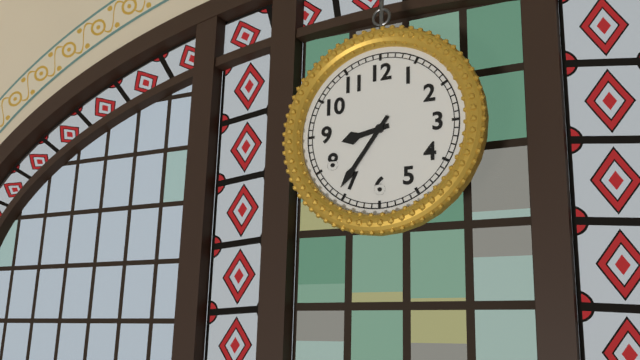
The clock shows **8:36**
